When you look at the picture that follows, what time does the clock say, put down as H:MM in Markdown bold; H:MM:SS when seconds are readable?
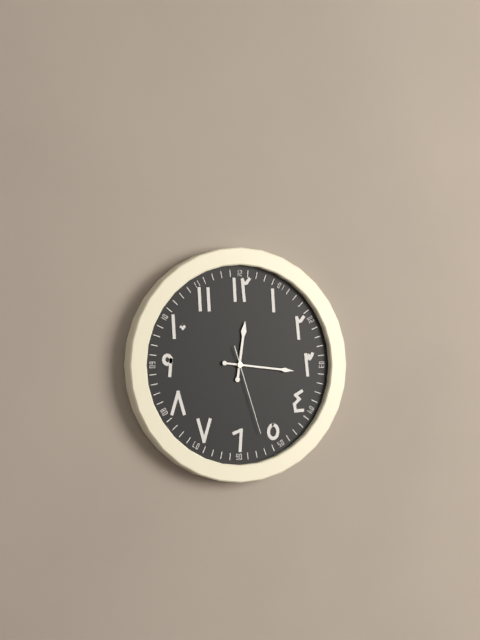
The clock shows **12:16:27**
